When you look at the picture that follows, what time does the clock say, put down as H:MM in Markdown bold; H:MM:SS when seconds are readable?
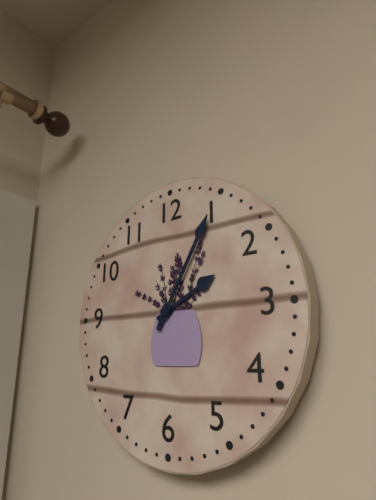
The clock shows **2:05**
